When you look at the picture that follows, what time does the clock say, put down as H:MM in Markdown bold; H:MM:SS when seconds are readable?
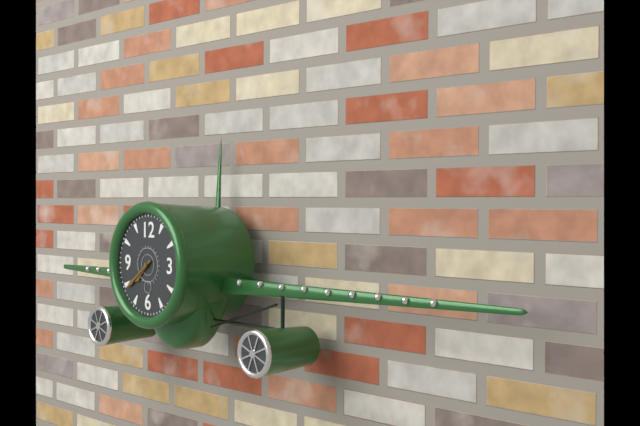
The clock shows **7:39**
